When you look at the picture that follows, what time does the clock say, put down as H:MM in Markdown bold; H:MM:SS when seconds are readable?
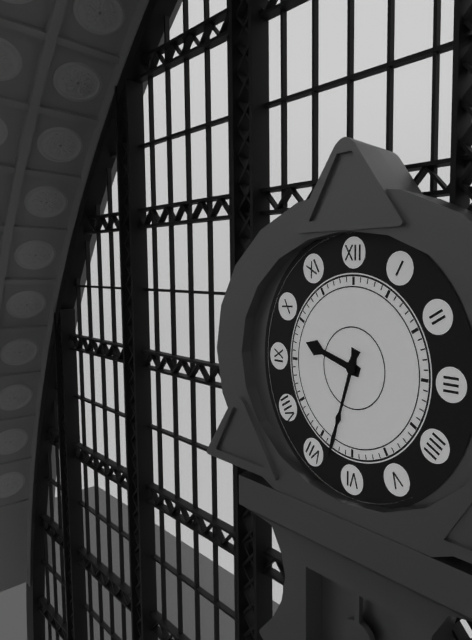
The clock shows **9:33**
